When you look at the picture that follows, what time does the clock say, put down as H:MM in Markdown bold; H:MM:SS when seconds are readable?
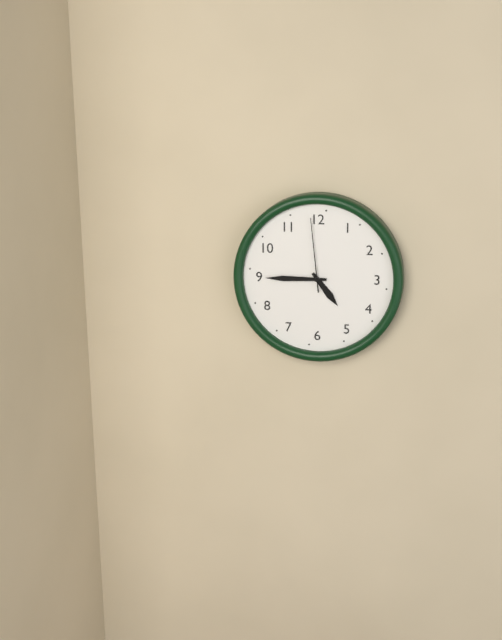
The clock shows **4:45:59**
